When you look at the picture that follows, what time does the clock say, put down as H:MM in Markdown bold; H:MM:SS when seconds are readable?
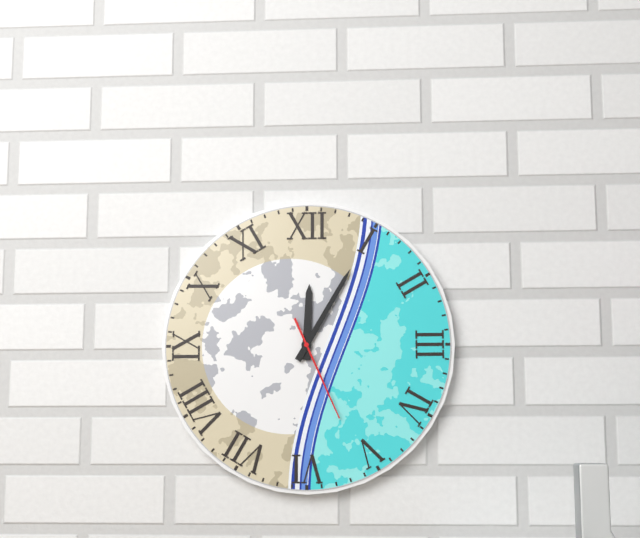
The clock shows **12:05:26**
